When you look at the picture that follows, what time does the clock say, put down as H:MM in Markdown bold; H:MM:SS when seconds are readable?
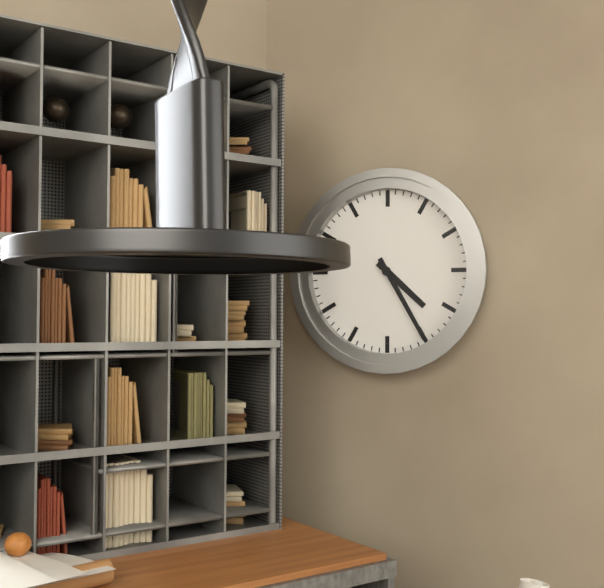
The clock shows **4:25**
